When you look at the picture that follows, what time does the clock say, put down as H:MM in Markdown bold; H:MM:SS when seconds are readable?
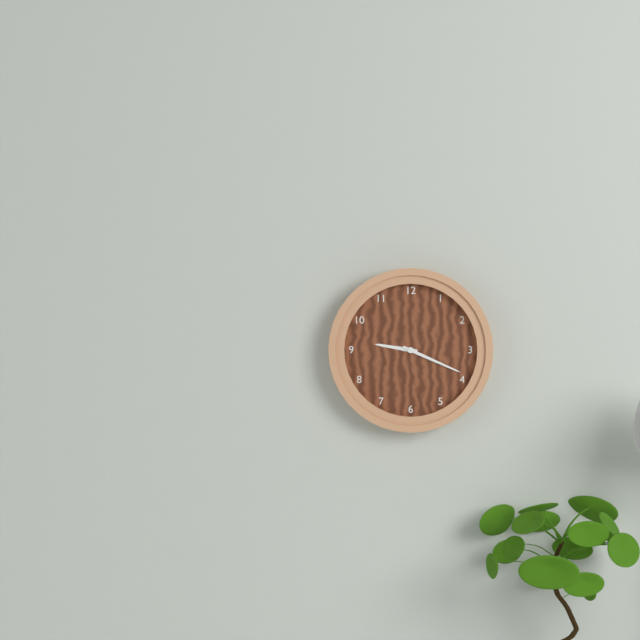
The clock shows **9:19**
